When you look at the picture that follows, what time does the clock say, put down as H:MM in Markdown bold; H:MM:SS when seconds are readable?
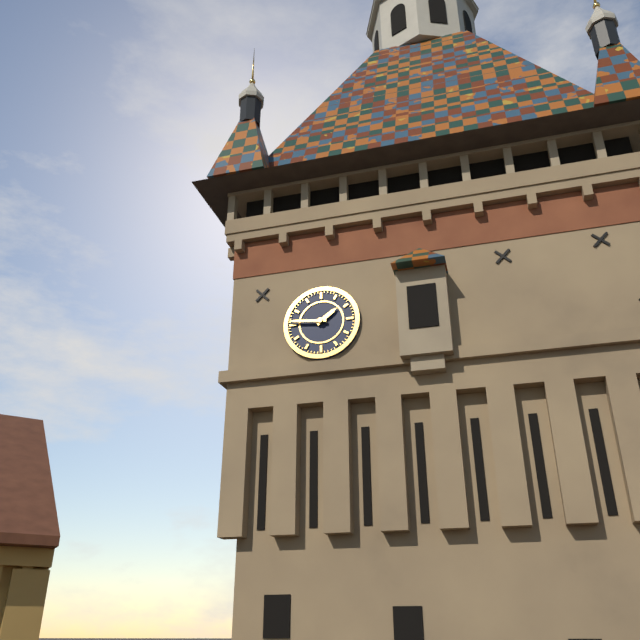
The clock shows **1:46**
